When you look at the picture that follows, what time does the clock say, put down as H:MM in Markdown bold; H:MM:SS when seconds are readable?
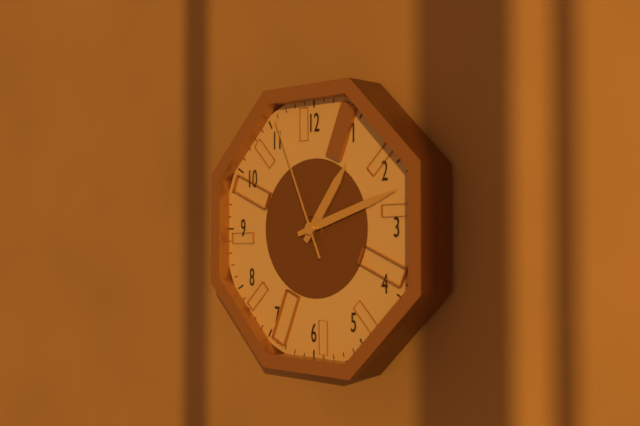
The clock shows **1:12:56**
